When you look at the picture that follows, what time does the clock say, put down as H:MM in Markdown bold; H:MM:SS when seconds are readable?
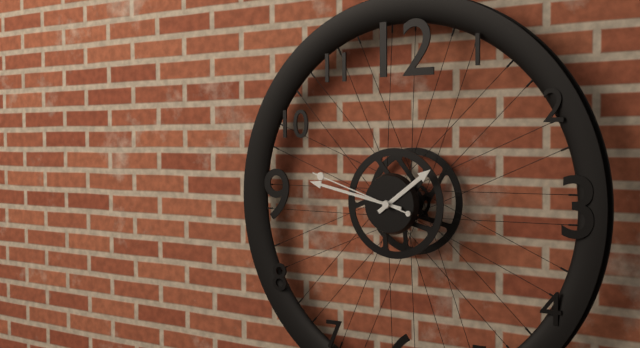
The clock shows **1:47:48**
